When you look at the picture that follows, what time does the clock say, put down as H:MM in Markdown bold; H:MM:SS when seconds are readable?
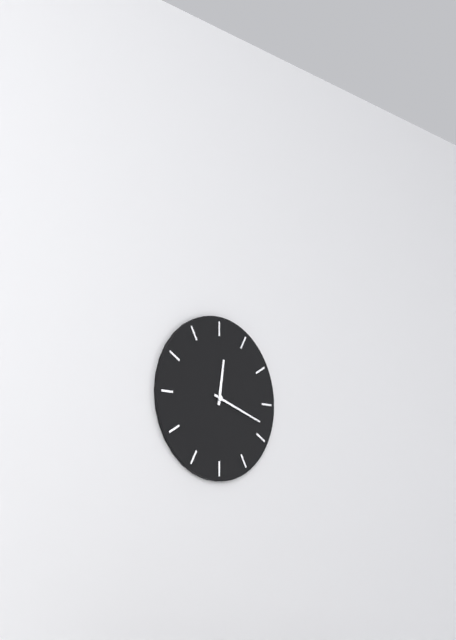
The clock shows **12:18**
